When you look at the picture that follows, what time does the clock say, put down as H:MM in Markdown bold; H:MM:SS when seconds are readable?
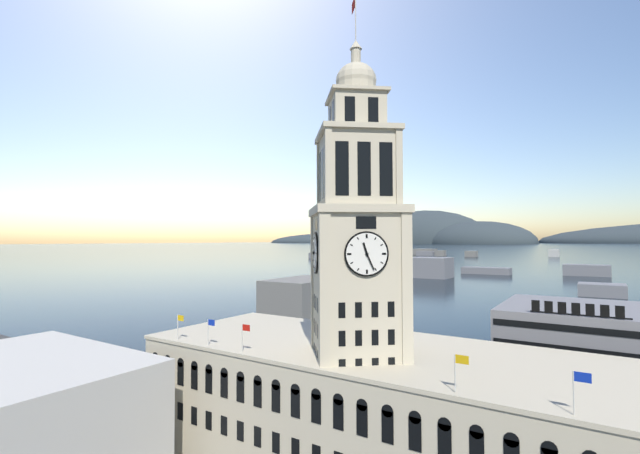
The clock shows **11:26**
